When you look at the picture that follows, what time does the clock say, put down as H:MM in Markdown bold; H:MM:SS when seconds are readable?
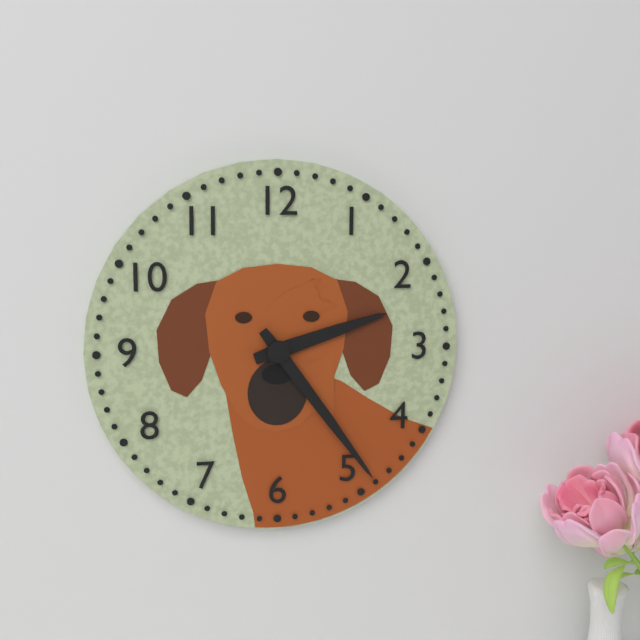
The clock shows **2:24**
